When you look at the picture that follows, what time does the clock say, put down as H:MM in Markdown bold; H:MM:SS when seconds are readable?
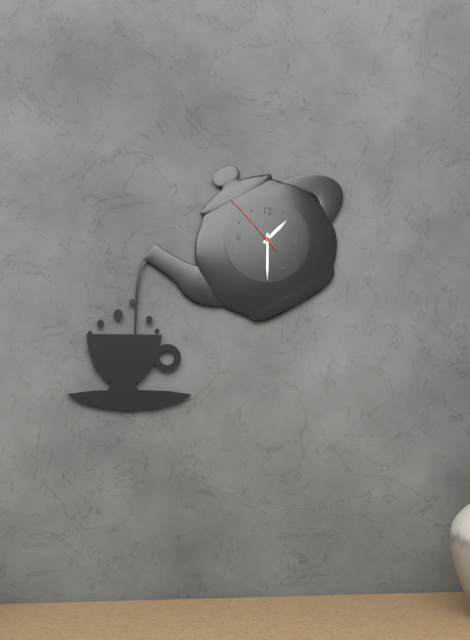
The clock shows **1:30:53**
